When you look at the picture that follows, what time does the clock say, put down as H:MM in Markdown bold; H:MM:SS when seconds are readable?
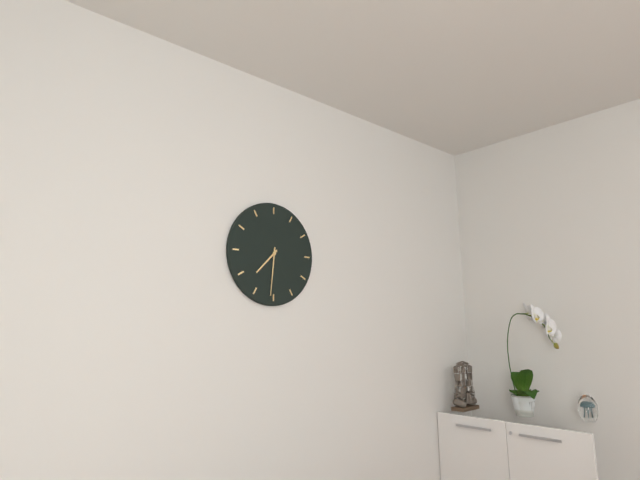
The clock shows **7:31**
